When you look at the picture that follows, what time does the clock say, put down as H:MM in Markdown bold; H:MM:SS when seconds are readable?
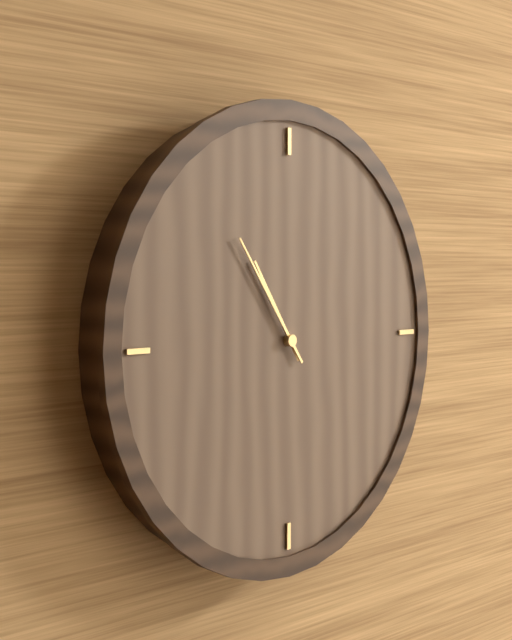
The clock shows **10:54**
